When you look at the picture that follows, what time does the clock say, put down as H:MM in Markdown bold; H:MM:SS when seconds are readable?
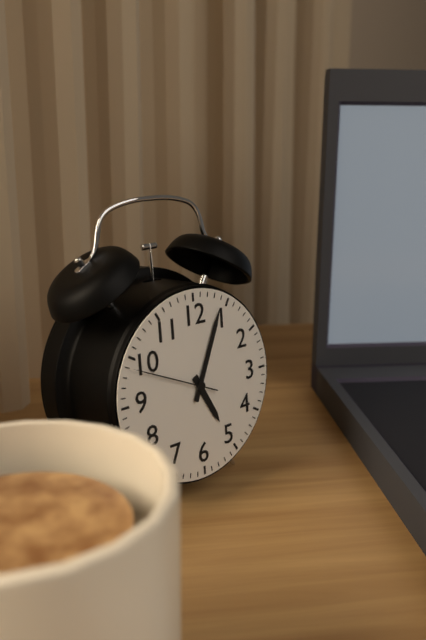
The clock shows **5:04:49**
